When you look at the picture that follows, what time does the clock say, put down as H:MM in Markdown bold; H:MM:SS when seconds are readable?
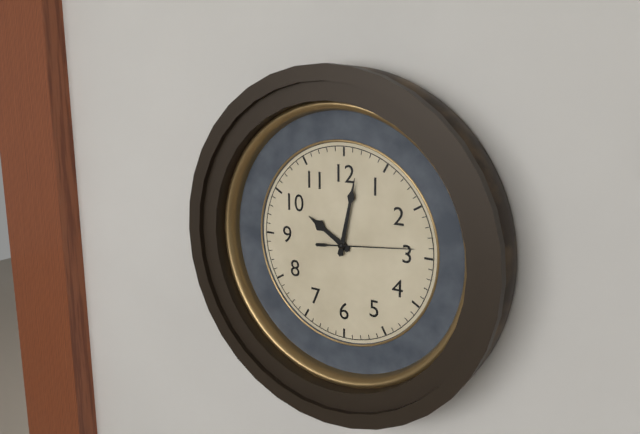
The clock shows **10:02:14**
